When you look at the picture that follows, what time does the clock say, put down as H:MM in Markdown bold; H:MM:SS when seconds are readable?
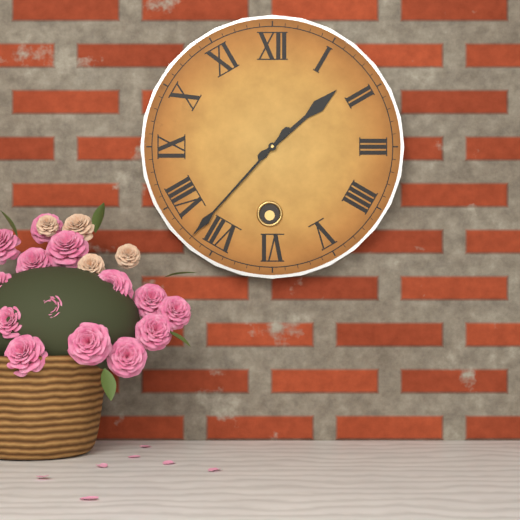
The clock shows **1:37**
